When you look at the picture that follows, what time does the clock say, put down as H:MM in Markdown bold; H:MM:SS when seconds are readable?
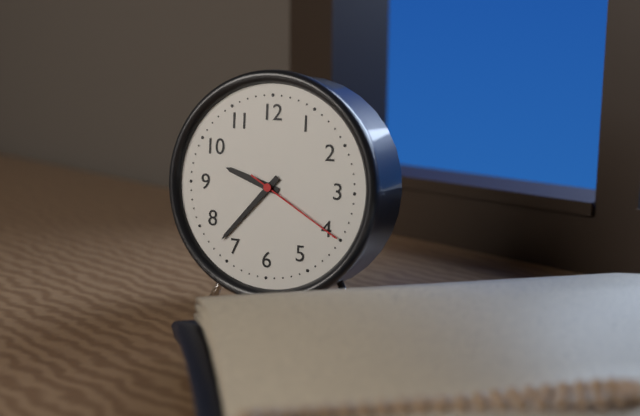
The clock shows **9:37:20**
